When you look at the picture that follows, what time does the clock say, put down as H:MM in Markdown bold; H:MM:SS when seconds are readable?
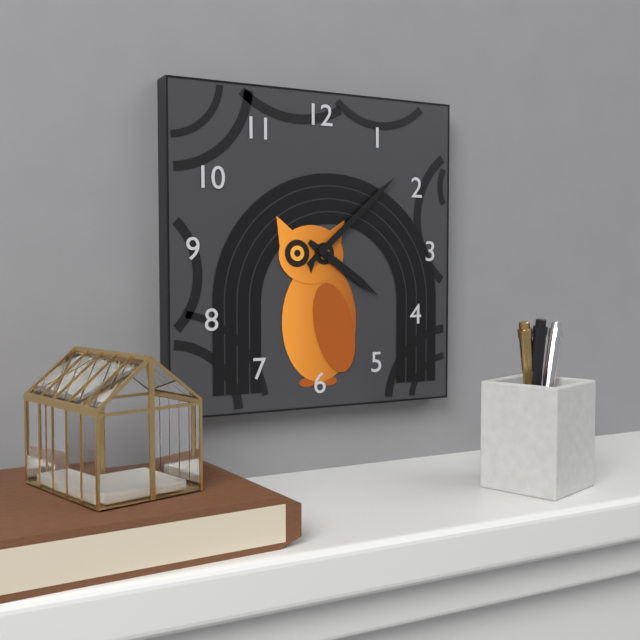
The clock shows **4:08**
